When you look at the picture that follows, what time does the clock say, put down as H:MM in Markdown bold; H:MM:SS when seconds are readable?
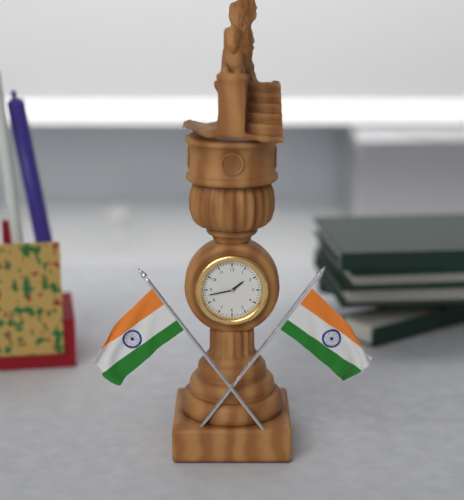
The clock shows **1:43**
